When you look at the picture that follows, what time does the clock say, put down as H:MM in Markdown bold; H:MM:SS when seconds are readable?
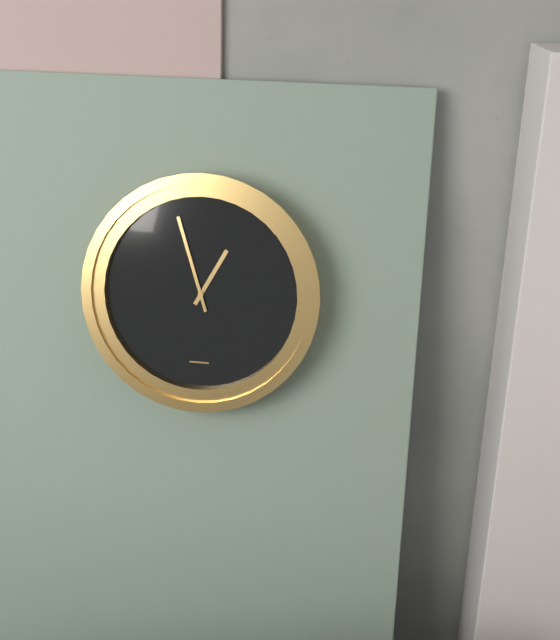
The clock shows **12:57**
